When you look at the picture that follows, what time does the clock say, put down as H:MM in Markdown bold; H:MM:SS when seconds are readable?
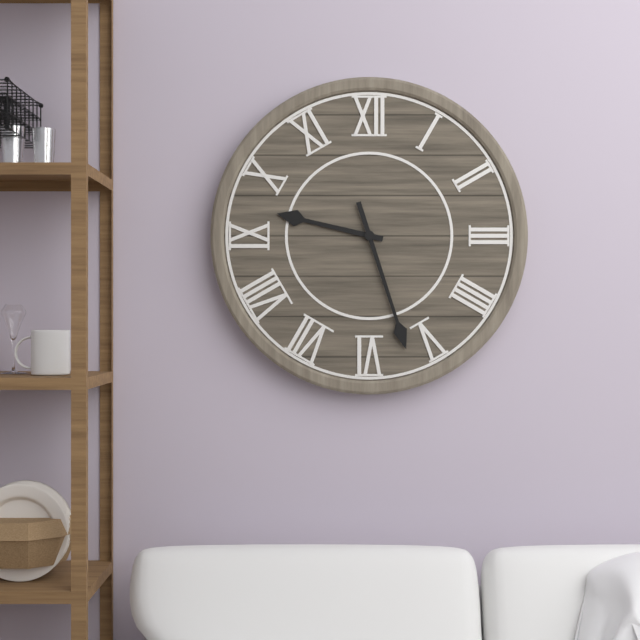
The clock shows **9:27**
